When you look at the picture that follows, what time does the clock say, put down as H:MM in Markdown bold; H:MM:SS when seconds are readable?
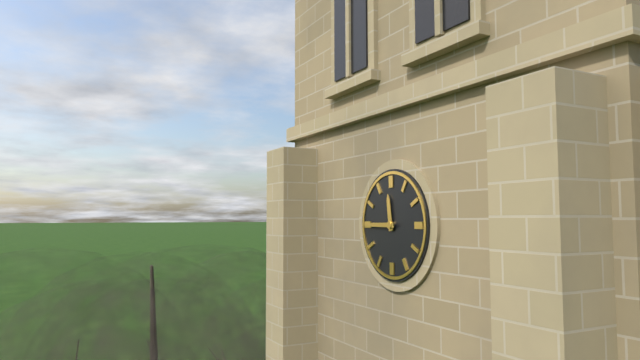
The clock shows **11:45**
